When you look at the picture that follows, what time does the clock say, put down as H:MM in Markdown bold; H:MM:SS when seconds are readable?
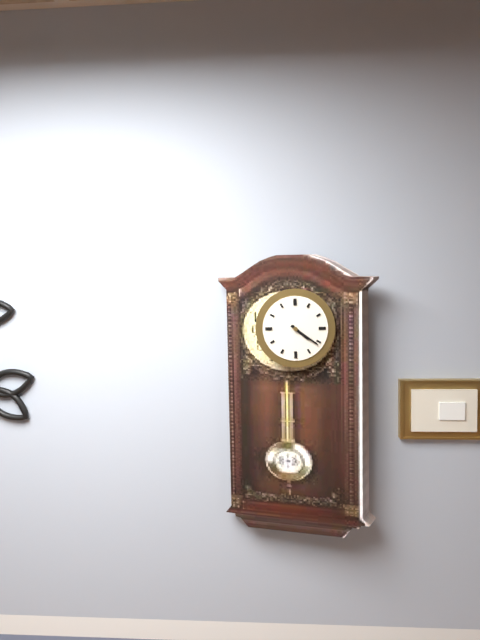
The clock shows **4:21**
